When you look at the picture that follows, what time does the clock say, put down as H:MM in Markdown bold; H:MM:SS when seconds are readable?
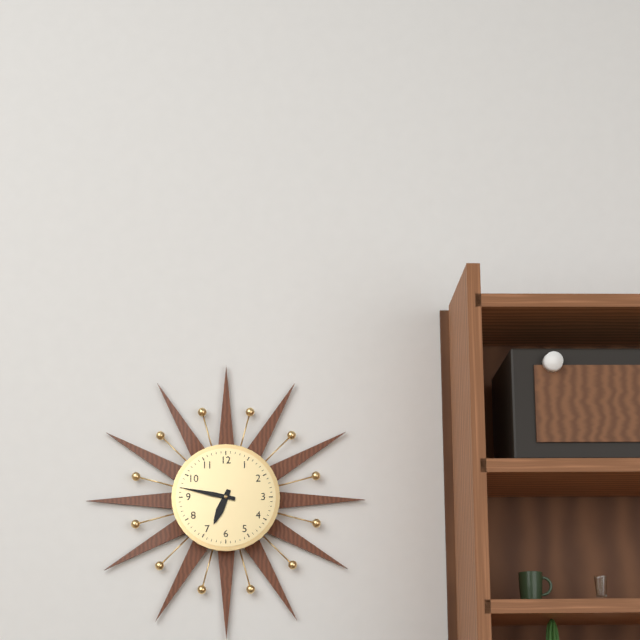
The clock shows **6:47**
